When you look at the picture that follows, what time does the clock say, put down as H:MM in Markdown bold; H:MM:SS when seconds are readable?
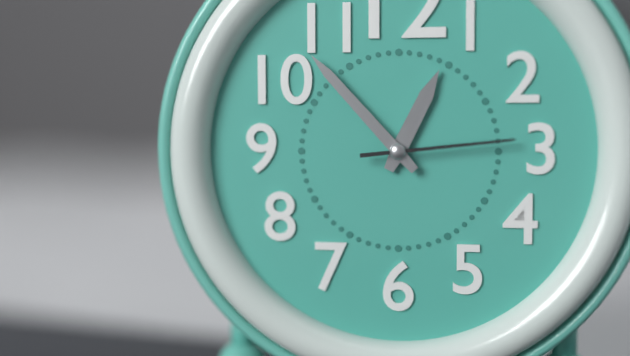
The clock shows **12:53:14**
